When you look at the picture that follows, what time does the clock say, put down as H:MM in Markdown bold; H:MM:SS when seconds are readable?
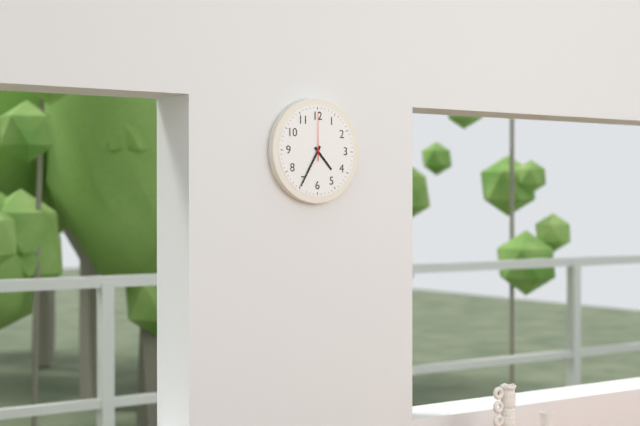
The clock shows **4:35**
